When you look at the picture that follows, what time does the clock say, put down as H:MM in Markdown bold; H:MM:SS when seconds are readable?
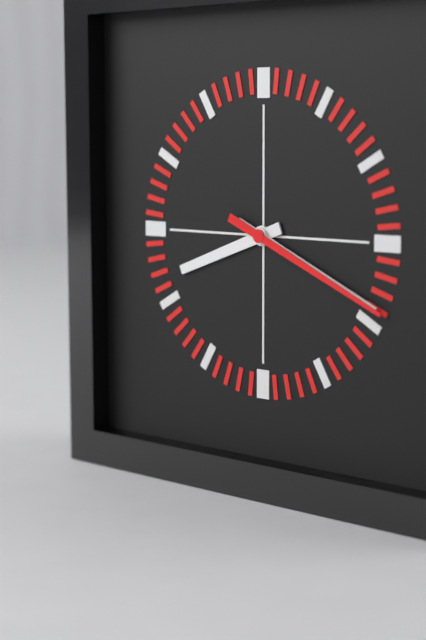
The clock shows **8:19:19**
